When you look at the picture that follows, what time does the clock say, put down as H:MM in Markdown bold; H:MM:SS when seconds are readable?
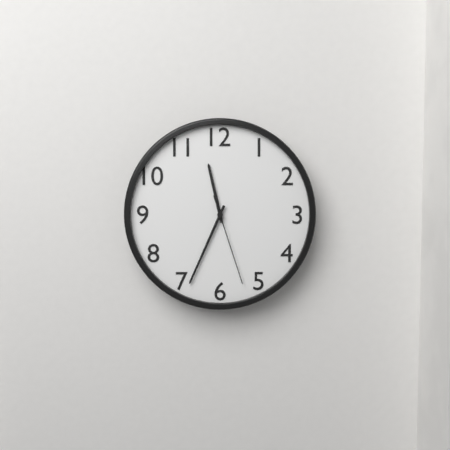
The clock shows **11:34:27**
